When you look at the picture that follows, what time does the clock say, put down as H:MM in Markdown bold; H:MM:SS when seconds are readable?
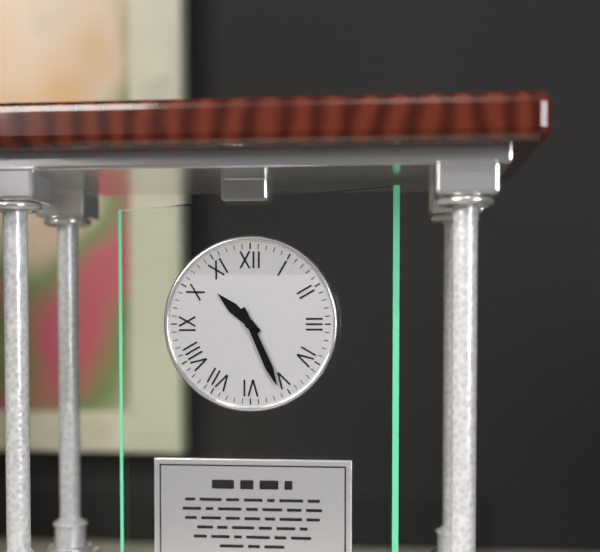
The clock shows **10:26**
